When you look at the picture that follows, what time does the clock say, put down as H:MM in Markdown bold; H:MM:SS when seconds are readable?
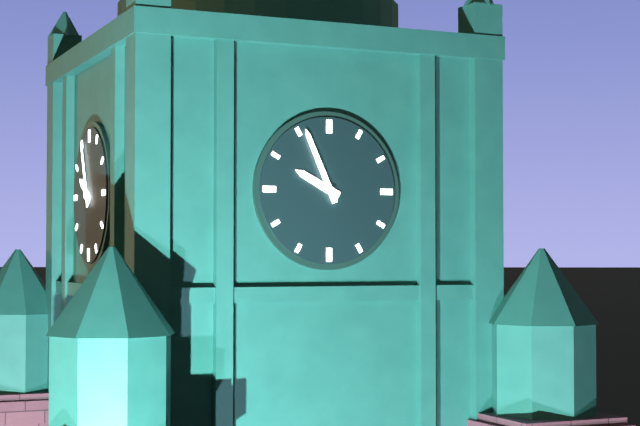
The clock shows **9:56**
